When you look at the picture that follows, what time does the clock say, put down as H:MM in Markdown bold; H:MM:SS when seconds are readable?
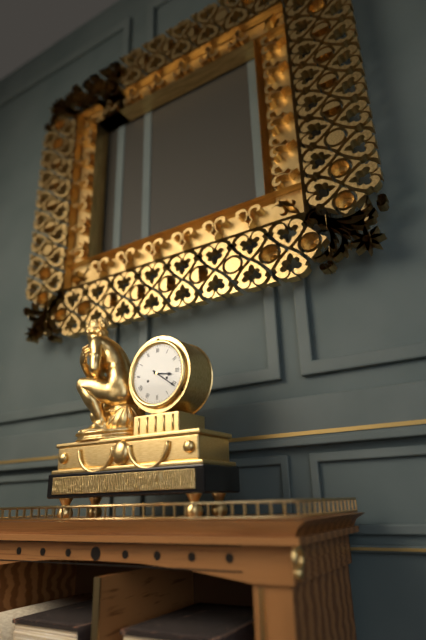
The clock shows **3:21**
